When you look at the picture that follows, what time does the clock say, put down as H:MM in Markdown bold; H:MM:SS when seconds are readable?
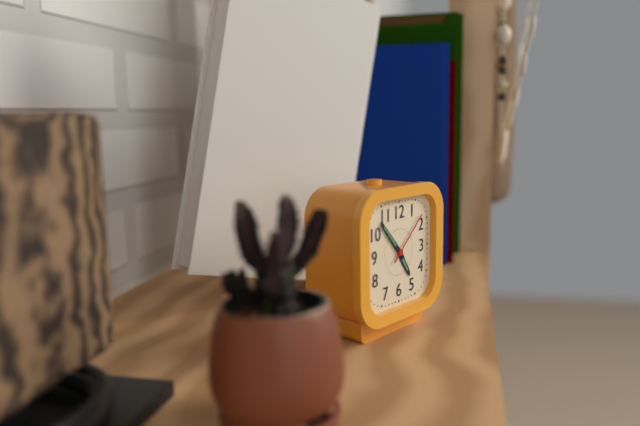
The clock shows **4:53:08**
